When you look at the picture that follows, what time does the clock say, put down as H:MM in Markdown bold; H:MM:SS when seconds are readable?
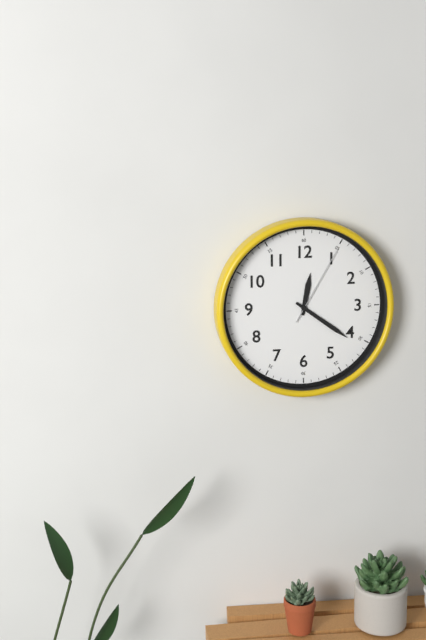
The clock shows **12:21:05**
